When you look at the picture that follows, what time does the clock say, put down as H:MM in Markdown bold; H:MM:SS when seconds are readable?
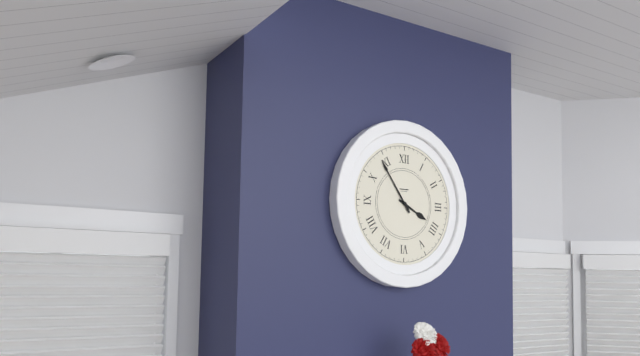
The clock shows **3:54**
